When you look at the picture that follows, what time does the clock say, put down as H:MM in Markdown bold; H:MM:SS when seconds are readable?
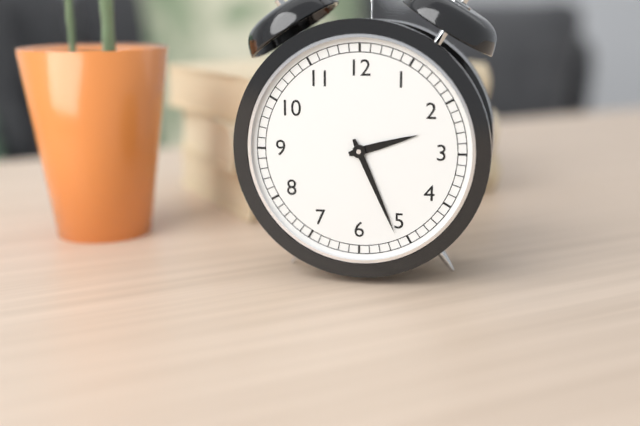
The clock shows **2:26**
